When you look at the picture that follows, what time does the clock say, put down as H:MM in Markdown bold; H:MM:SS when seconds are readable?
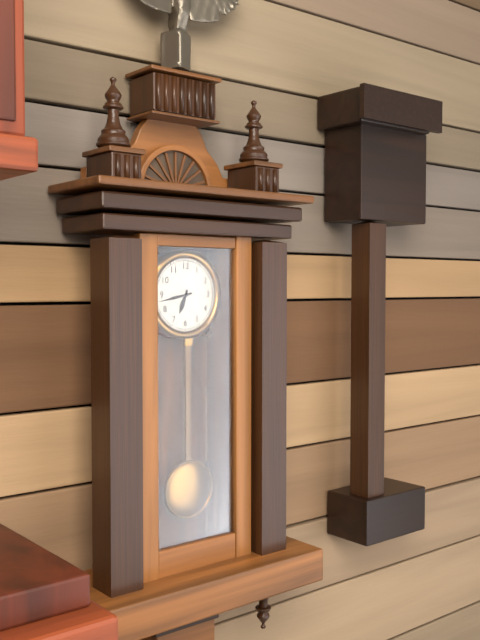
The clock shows **6:43**
